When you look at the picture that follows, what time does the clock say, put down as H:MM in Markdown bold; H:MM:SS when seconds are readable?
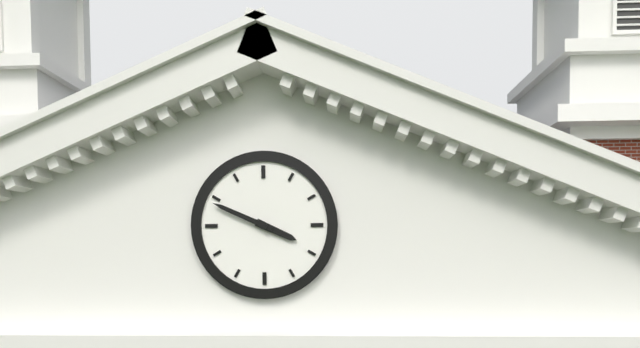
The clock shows **3:49**
